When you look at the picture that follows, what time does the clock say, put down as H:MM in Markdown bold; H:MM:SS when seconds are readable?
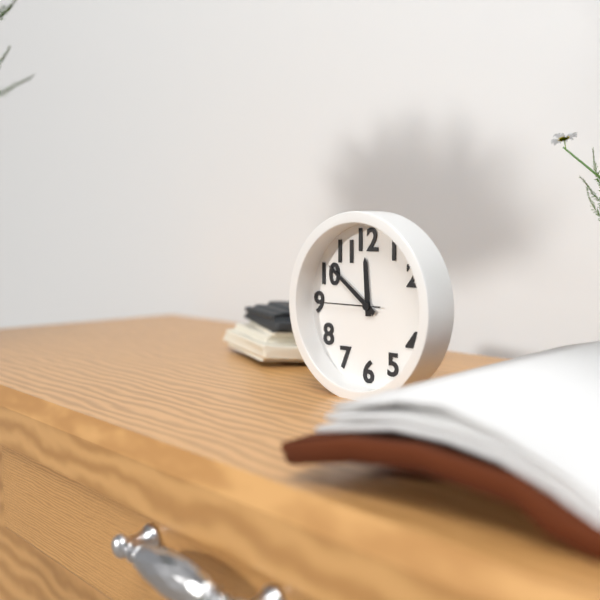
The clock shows **11:51:45**
